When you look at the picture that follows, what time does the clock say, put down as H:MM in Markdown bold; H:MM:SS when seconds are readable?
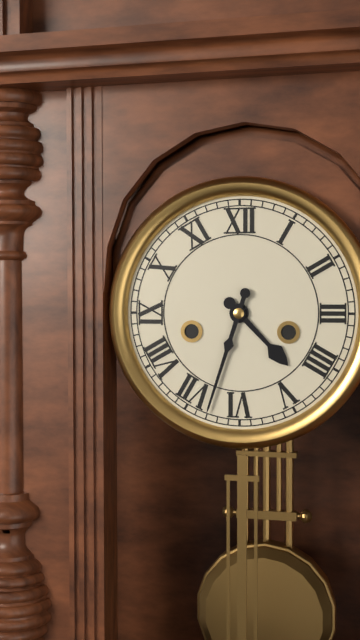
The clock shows **4:33**
